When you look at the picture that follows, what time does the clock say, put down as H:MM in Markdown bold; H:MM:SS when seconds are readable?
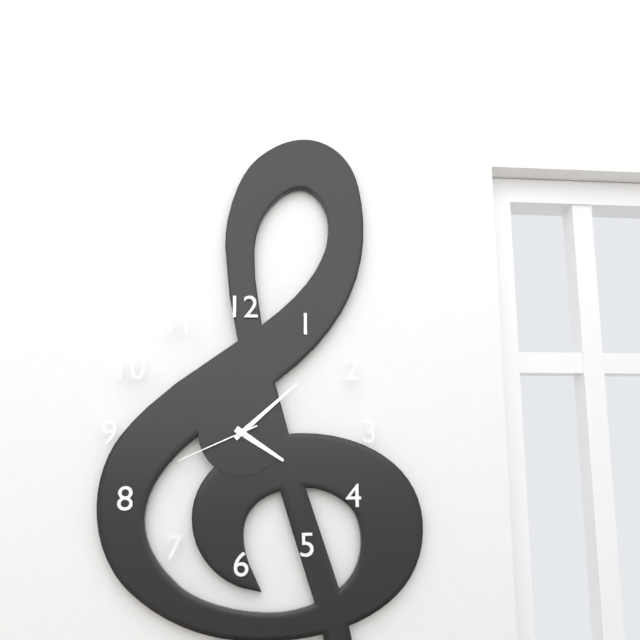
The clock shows **4:08:41**
